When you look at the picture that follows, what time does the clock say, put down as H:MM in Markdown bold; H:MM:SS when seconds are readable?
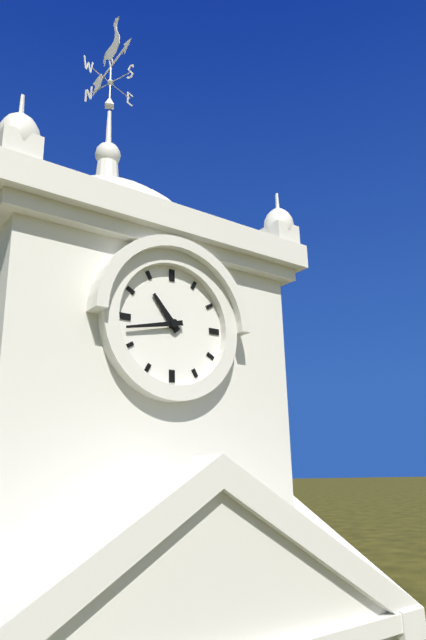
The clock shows **10:43**
